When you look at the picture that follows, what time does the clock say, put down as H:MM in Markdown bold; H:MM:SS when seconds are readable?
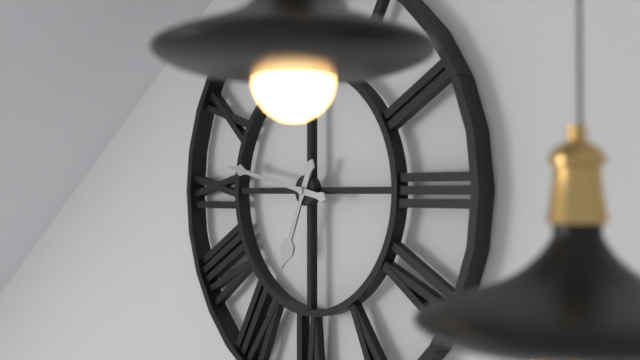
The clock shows **6:47**
